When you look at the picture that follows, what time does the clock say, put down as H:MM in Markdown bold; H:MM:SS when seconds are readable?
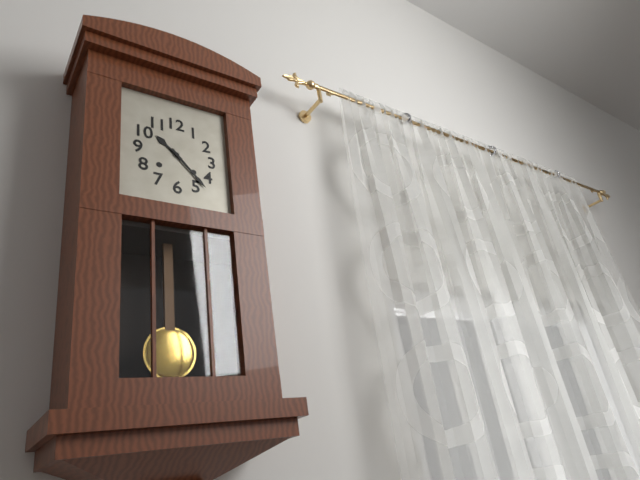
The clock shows **10:23**
